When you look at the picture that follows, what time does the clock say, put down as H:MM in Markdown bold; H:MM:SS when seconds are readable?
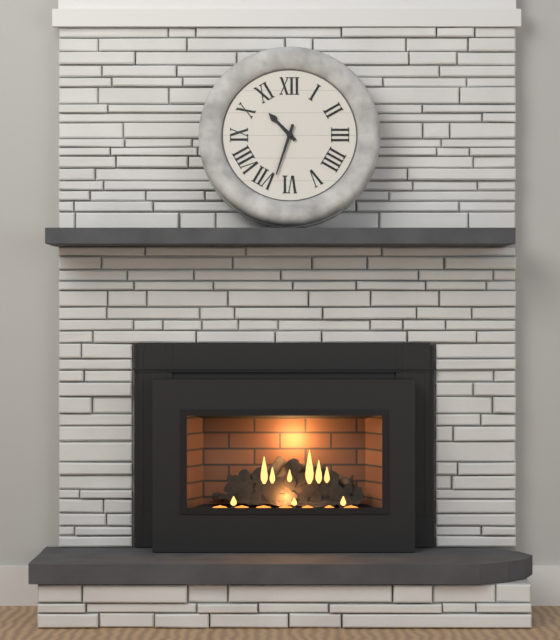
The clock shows **10:33**
